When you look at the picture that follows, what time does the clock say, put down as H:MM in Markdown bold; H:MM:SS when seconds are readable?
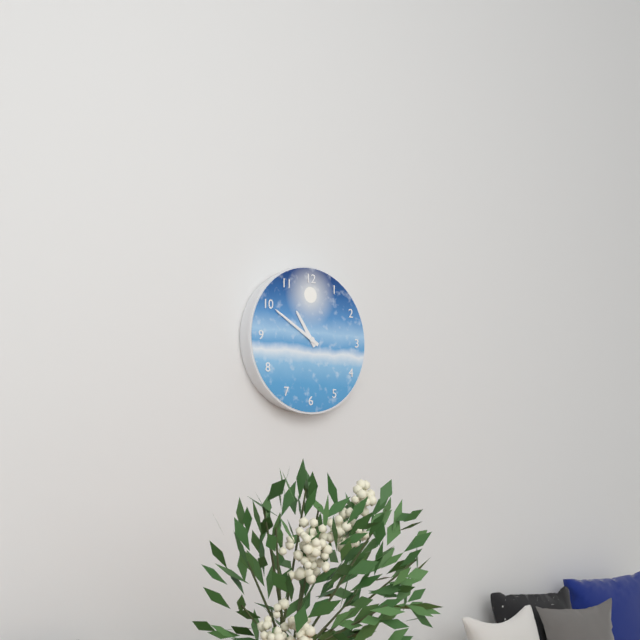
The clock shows **10:50**
